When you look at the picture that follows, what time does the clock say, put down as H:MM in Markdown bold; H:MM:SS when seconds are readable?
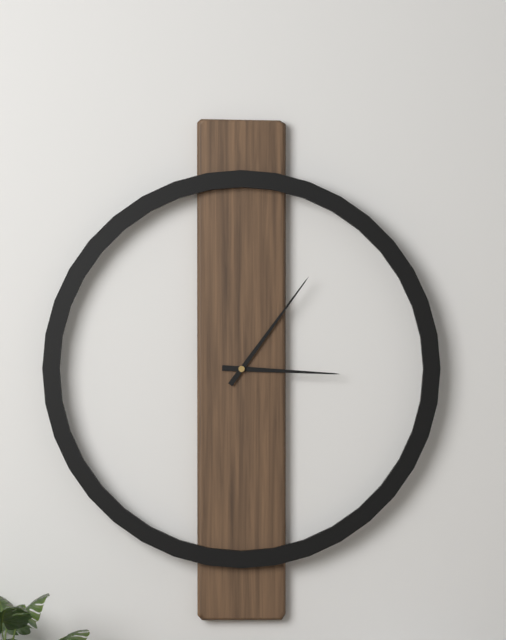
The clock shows **3:06**
